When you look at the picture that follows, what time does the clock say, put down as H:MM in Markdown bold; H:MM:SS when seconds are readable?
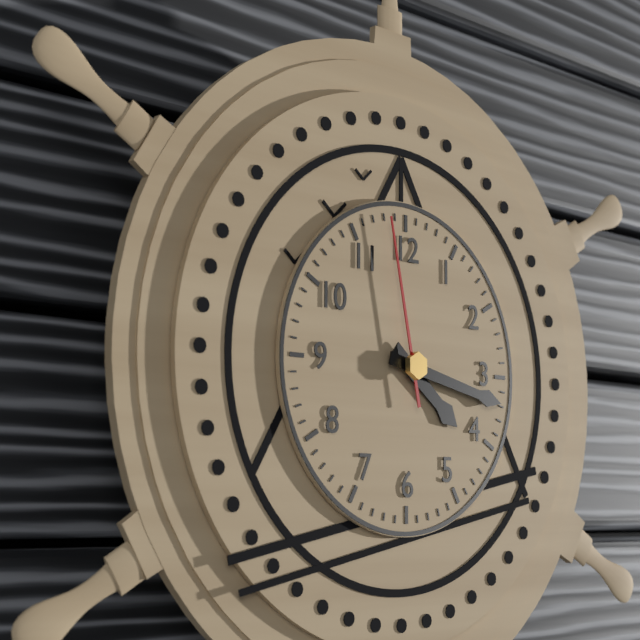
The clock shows **4:17:58**
